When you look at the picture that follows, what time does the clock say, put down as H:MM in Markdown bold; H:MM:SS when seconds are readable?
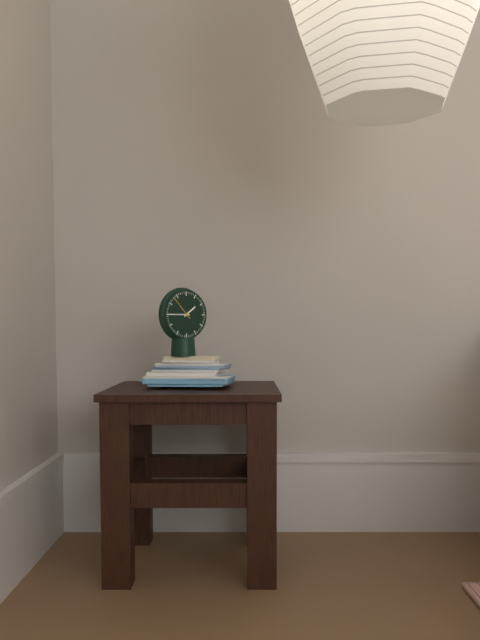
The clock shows **1:45**
